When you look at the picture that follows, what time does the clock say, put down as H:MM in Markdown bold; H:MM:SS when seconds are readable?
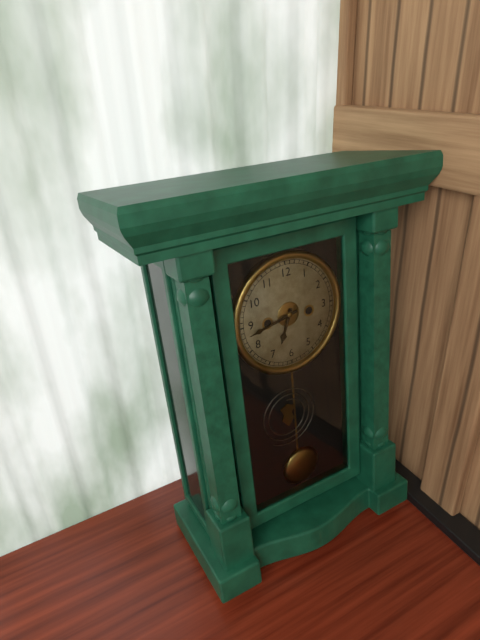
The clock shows **6:43**
